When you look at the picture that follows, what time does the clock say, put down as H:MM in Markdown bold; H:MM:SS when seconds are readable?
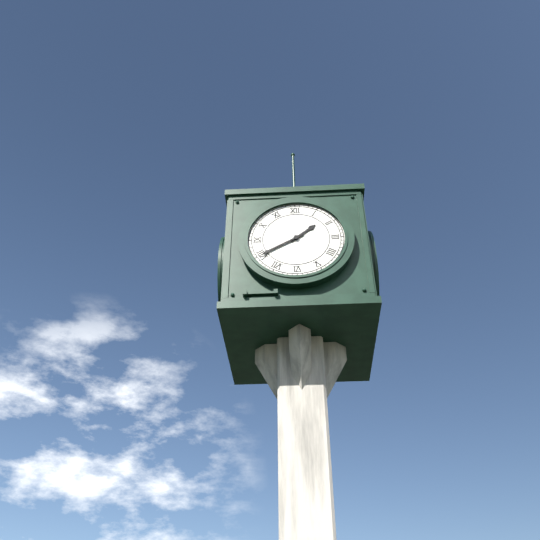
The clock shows **1:40**
